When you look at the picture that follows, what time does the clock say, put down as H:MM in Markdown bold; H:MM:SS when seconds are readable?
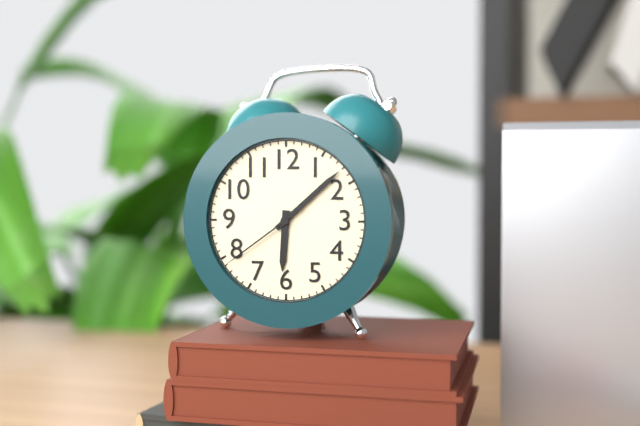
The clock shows **6:08:39**
